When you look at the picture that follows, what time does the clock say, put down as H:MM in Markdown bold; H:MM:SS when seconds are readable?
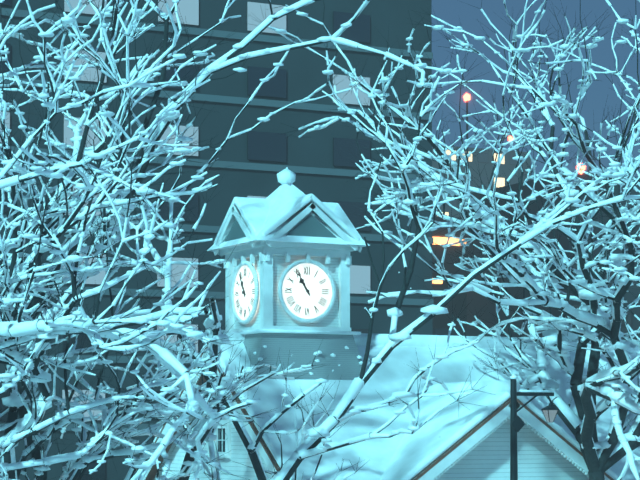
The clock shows **10:55**
